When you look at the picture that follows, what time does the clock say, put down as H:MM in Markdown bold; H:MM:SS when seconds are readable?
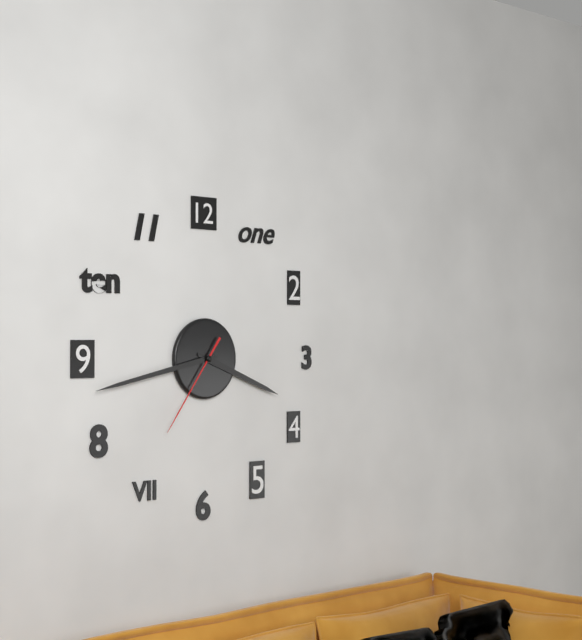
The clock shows **3:43:36**
